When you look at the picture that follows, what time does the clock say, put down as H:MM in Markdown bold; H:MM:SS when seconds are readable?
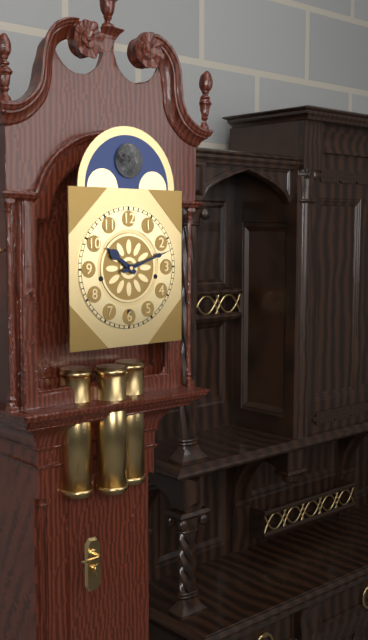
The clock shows **10:12**
